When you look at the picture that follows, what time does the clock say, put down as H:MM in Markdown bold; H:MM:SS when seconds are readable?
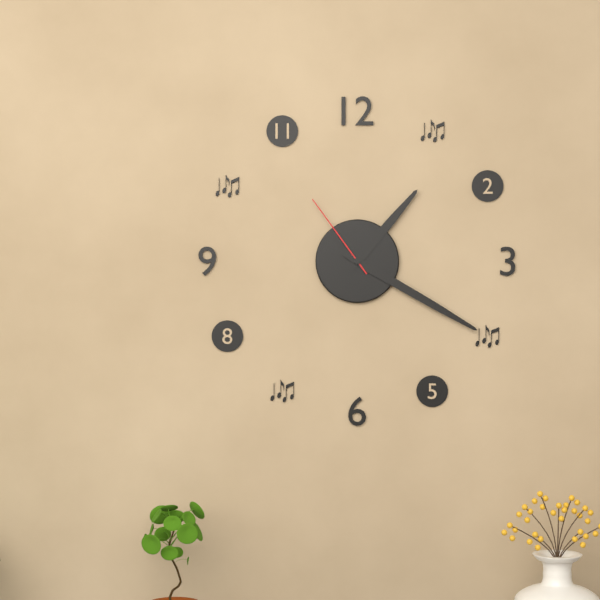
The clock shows **1:20:54**
